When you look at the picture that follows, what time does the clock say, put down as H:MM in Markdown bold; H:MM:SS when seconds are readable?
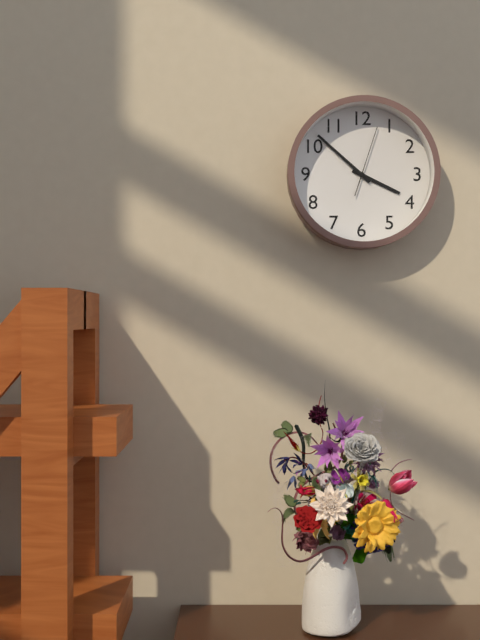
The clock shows **3:52:03**
